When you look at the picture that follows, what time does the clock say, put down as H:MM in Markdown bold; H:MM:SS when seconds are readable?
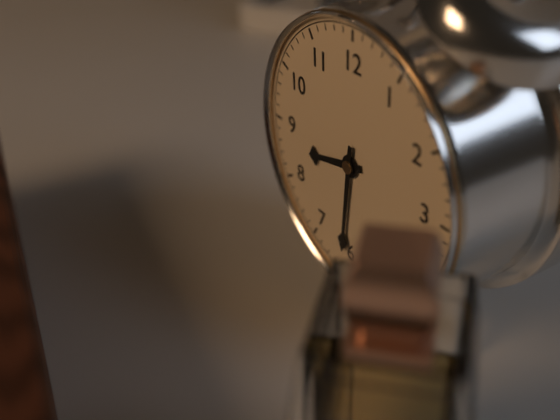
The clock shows **8:31**
